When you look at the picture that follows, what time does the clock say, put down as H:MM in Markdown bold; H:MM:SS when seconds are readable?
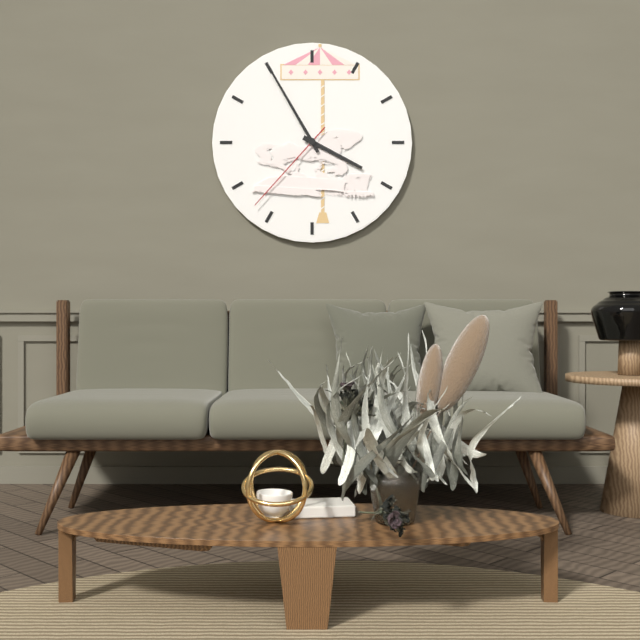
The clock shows **3:55:37**
